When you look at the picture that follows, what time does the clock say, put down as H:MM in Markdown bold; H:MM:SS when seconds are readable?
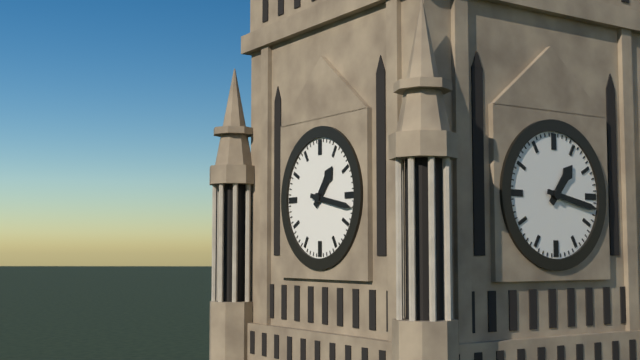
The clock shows **1:17**
